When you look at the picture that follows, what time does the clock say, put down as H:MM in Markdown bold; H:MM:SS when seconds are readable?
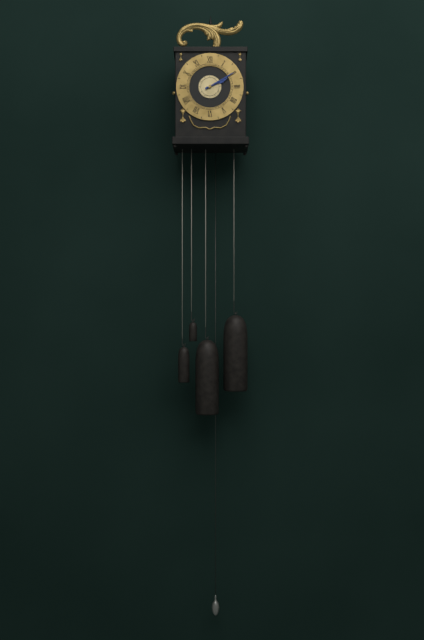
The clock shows **2:10**
